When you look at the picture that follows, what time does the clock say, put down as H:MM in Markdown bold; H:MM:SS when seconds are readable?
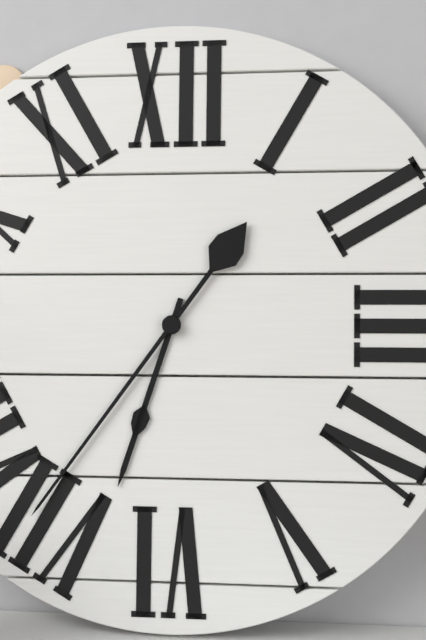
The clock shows **6:36**
